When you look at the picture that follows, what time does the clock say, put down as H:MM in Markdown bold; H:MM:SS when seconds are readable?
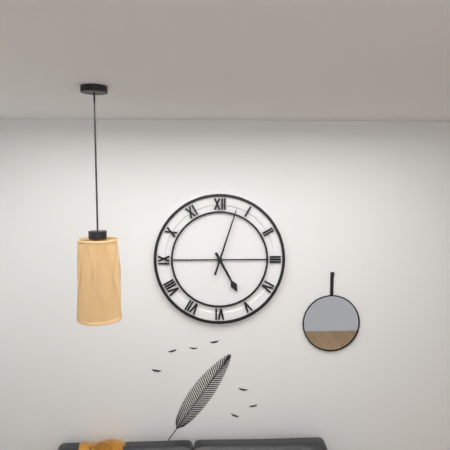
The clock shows **5:03**
